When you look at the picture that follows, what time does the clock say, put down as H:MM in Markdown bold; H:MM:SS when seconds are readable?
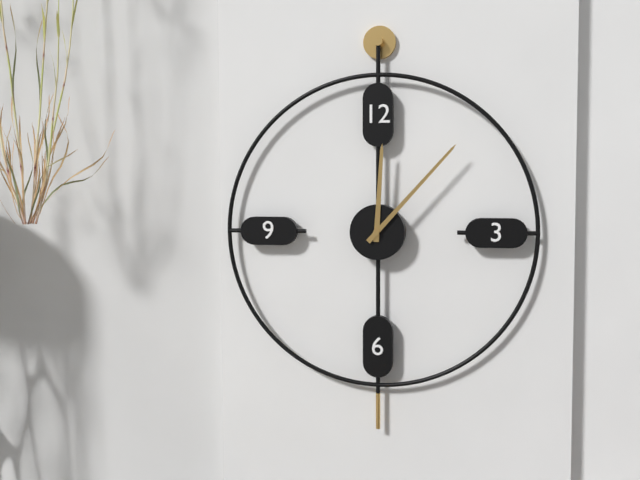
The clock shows **12:07**
